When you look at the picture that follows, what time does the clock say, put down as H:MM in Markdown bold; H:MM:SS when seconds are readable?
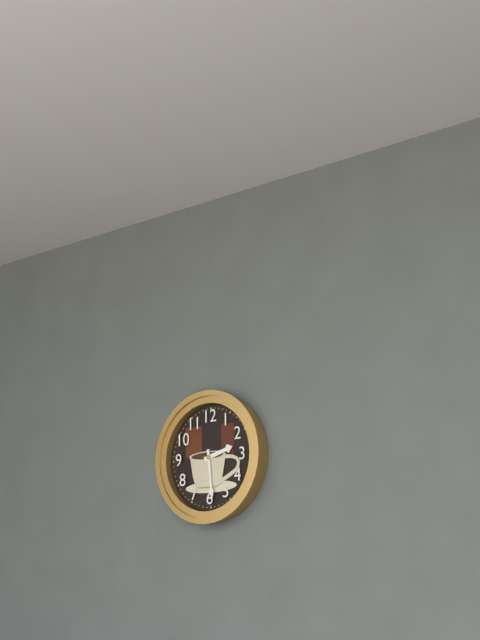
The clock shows **2:29**
